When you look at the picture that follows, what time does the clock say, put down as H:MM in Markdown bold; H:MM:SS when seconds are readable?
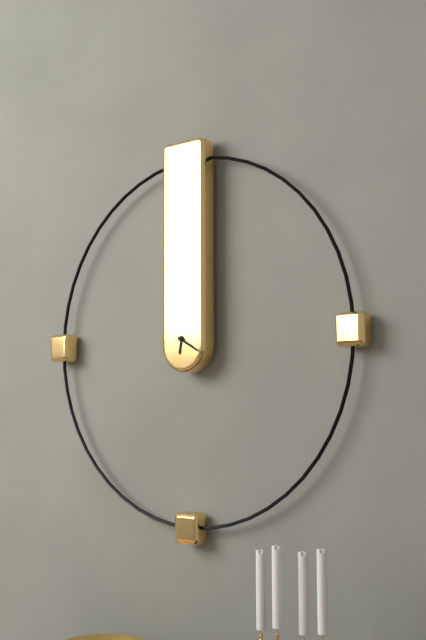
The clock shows **6:20**
